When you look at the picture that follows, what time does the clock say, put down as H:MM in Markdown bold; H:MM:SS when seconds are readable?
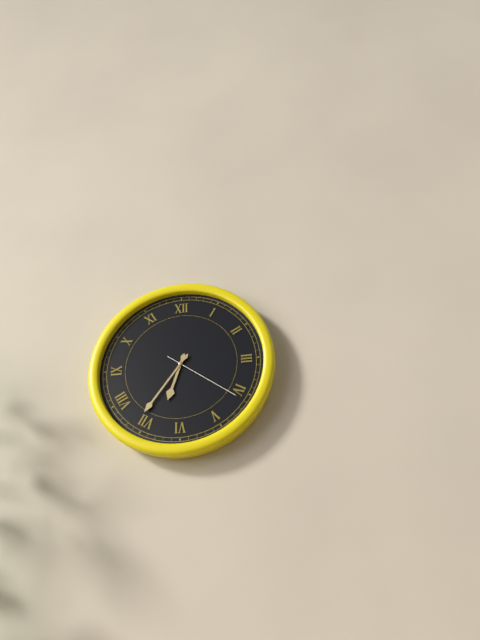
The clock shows **6:36:21**
